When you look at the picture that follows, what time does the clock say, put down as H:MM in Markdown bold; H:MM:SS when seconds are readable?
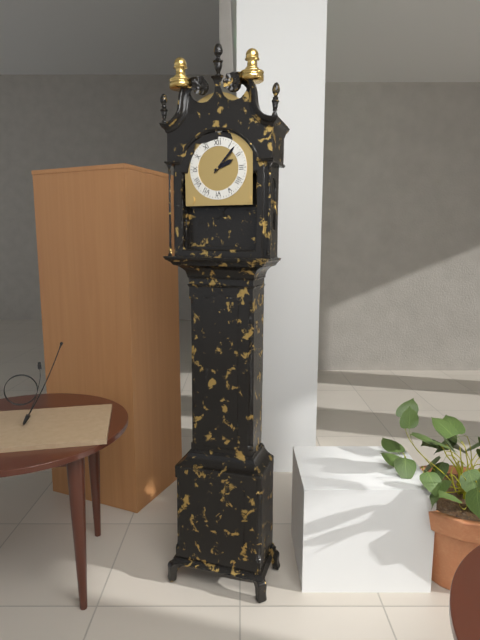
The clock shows **2:07**
